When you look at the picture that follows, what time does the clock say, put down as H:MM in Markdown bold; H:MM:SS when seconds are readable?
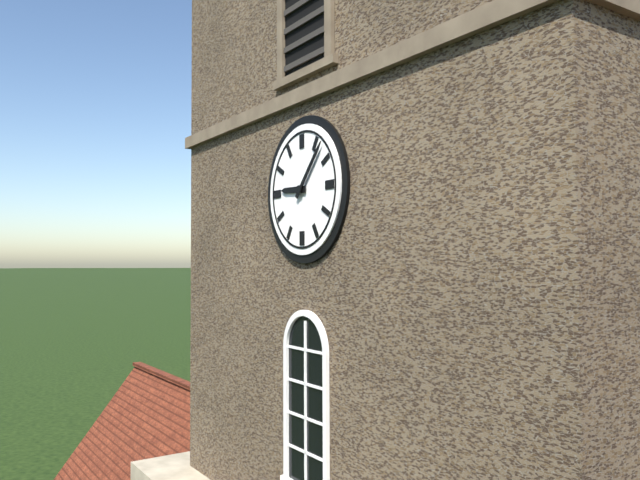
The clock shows **9:07**
